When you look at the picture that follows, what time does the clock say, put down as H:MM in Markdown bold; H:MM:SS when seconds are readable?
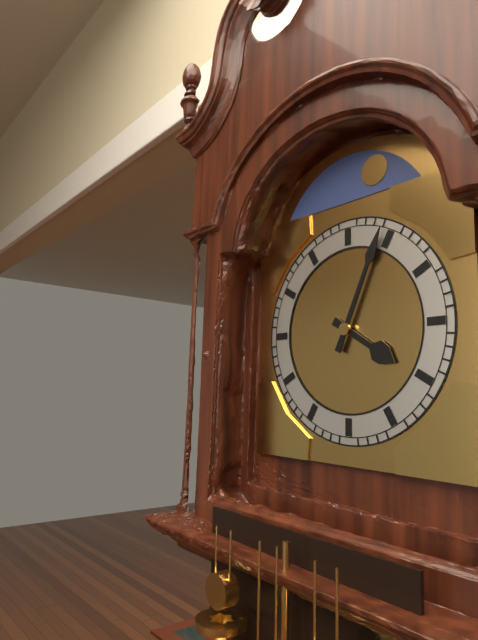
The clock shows **4:04**
